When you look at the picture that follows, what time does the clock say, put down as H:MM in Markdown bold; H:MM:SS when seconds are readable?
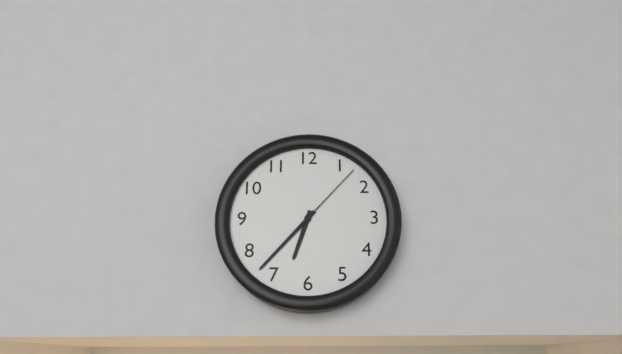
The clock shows **6:37:07**
